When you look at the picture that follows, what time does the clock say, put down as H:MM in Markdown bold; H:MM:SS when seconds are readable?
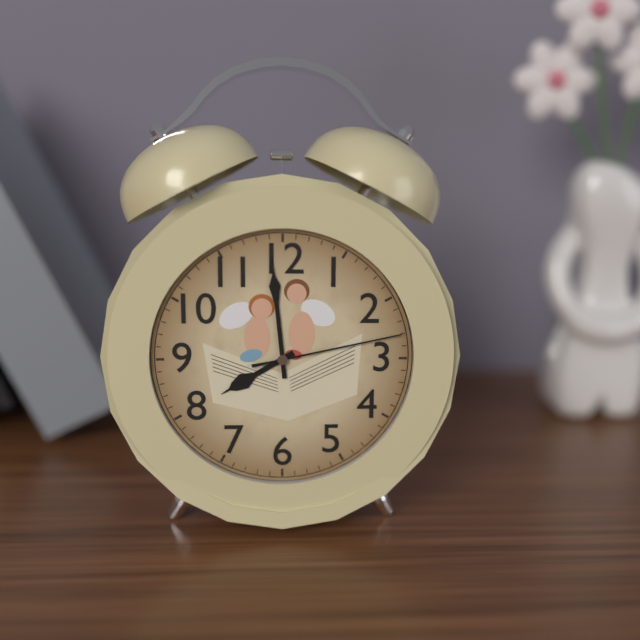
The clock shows **7:59:13**
